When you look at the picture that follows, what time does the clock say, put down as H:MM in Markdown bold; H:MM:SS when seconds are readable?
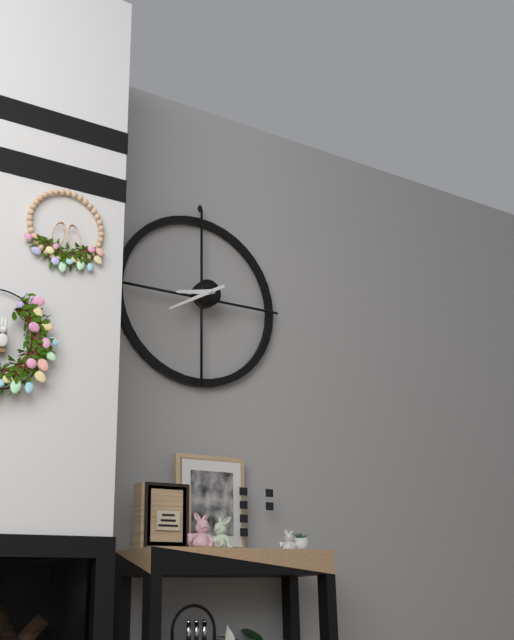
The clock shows **8:40**
